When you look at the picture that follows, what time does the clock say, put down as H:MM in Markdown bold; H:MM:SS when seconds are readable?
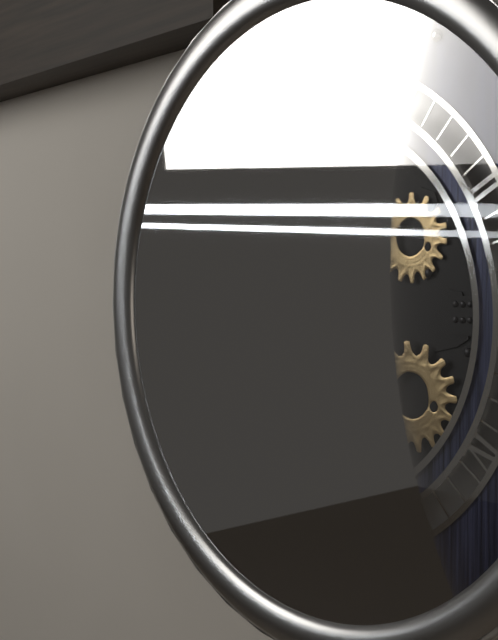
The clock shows **8:35**
